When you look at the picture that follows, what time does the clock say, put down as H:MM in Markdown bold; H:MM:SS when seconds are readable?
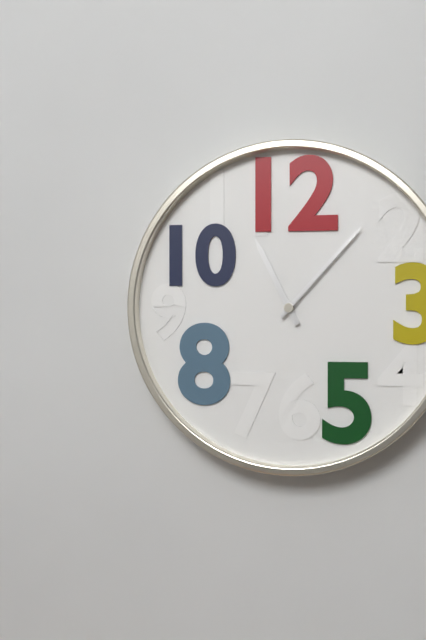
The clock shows **11:07**
